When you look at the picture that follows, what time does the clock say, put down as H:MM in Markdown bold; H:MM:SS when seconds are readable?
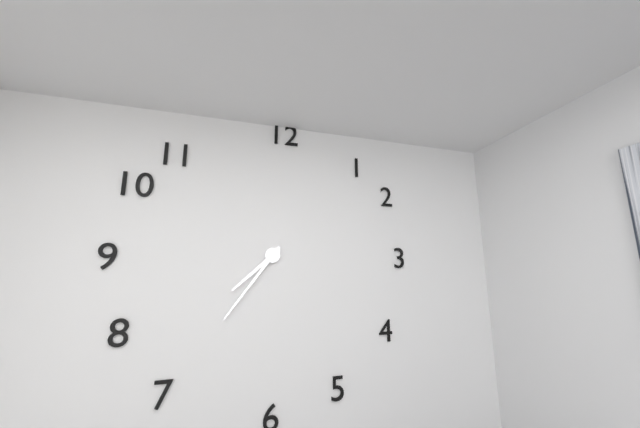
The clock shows **7:36**
